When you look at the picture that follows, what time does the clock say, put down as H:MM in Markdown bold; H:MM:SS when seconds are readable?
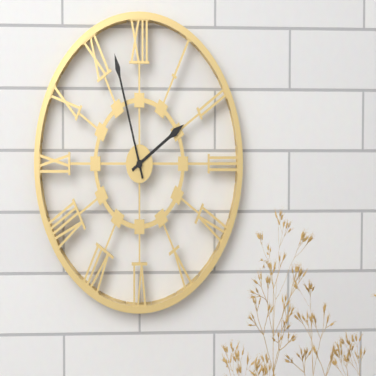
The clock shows **1:57**
